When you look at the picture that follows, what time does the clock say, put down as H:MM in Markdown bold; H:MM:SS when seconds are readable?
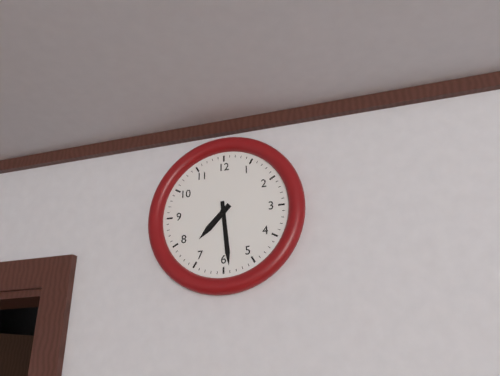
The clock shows **7:29**
